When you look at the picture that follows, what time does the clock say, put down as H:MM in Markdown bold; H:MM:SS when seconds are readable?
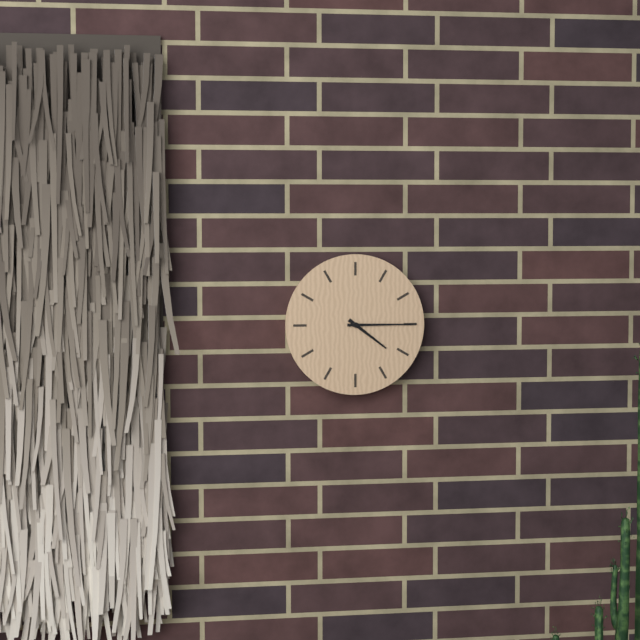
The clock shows **4:15**
